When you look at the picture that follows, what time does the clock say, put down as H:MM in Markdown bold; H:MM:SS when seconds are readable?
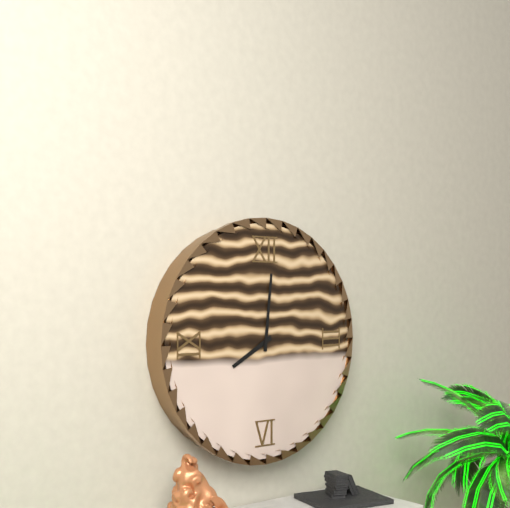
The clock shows **8:01**
